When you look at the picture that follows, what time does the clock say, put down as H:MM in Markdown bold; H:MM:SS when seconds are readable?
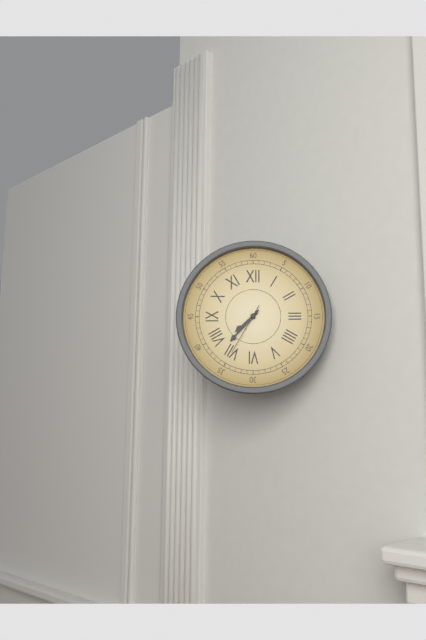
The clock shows **7:37:35**
